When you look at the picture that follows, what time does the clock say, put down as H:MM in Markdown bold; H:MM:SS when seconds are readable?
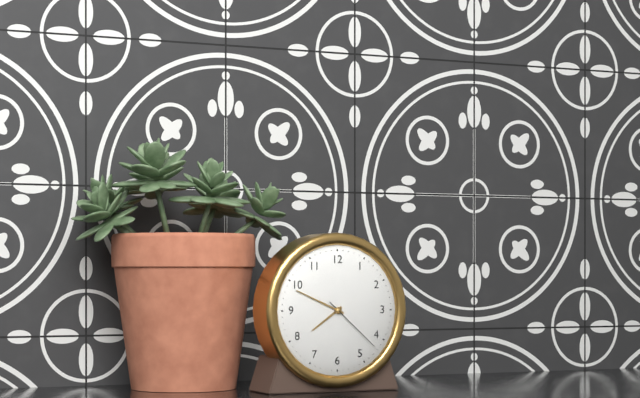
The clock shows **7:49:22**
